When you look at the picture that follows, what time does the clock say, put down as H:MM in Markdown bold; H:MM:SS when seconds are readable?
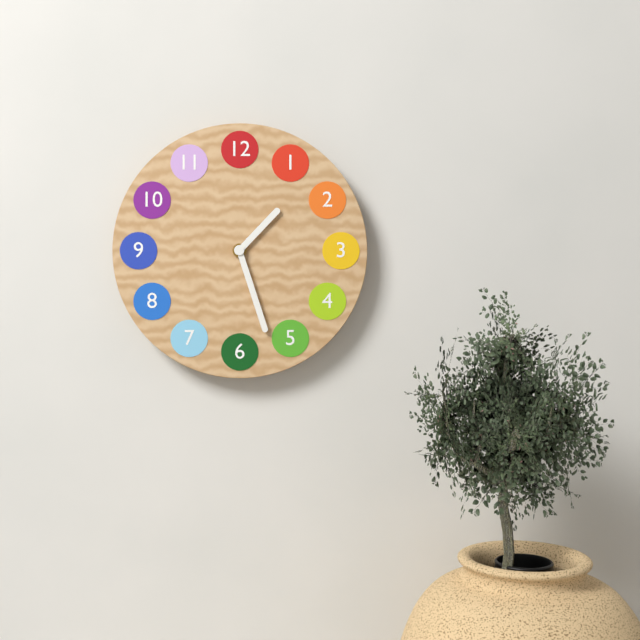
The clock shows **1:27**
